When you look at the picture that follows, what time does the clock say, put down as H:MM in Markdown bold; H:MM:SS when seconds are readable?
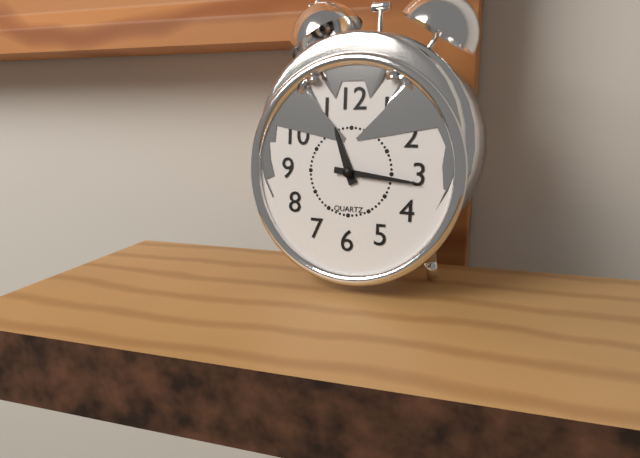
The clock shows **11:16**
